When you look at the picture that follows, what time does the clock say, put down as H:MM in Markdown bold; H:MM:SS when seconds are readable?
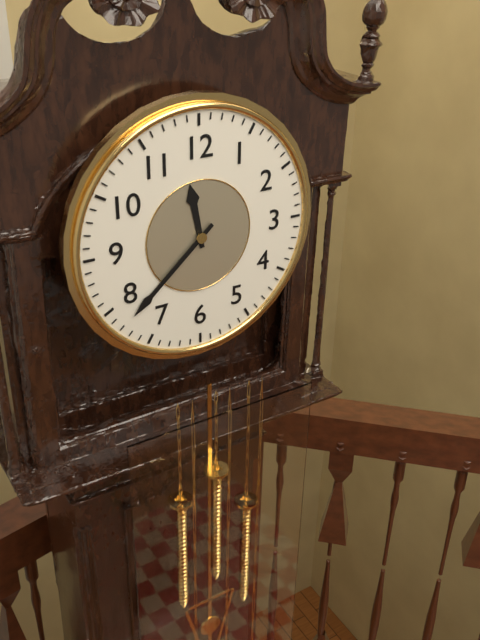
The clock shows **11:38**
